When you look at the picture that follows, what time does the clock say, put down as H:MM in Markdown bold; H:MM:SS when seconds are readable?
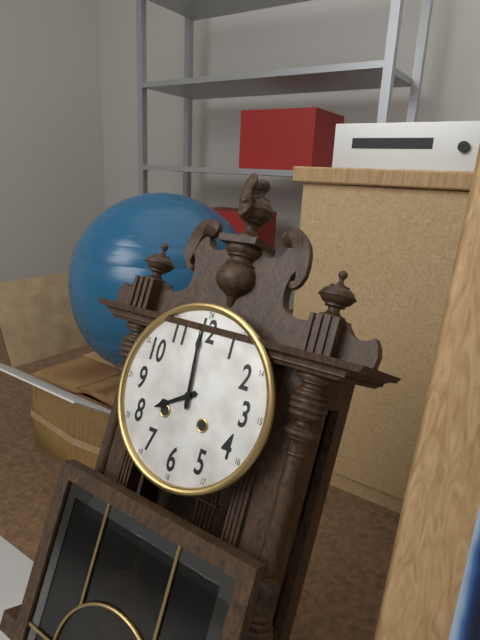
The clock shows **7:59**
